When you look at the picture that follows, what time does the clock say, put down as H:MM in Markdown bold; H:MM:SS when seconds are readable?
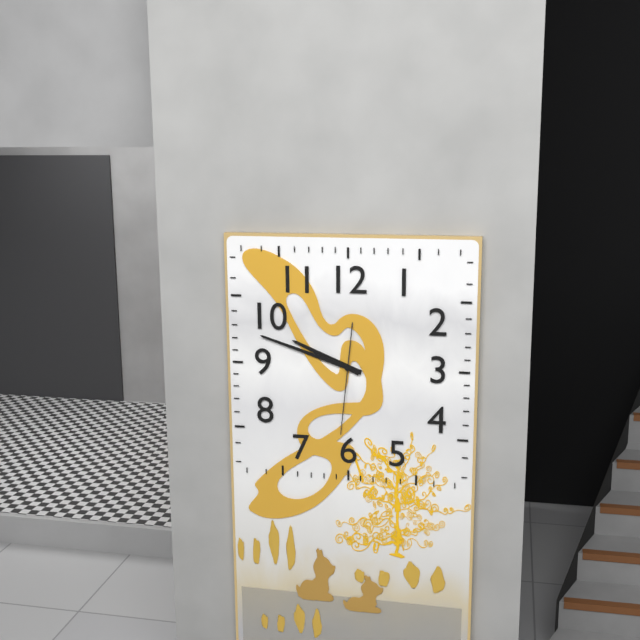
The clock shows **9:48:31**
